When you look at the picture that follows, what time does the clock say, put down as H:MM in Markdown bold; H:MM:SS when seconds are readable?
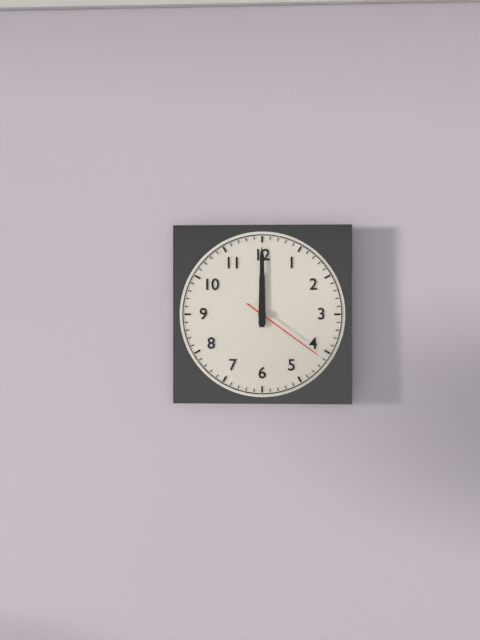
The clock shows **12:00:21**
